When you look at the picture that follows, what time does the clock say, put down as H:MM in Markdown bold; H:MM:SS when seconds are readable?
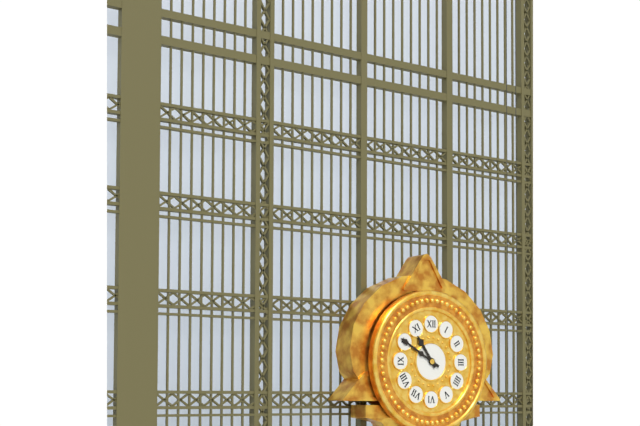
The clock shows **10:50**
